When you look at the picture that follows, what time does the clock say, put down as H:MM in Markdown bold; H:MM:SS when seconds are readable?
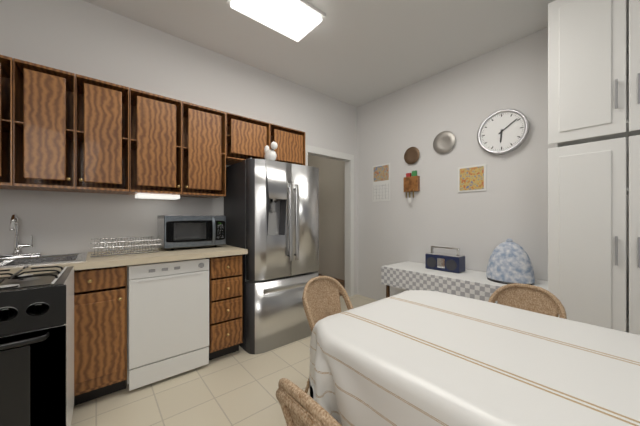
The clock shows **6:09**
